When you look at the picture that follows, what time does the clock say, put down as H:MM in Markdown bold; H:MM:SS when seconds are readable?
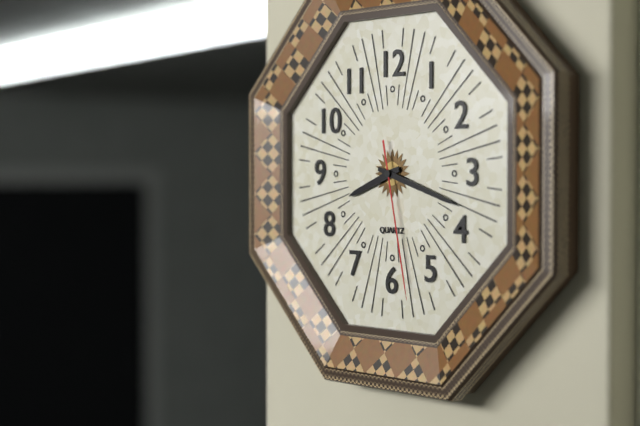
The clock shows **8:18:28**
